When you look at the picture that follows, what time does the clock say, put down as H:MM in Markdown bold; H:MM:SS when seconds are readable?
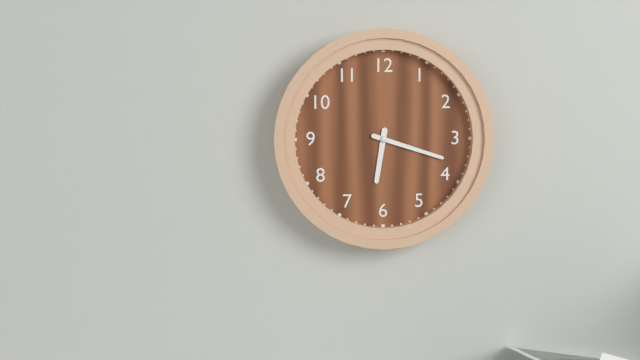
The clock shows **6:18**
